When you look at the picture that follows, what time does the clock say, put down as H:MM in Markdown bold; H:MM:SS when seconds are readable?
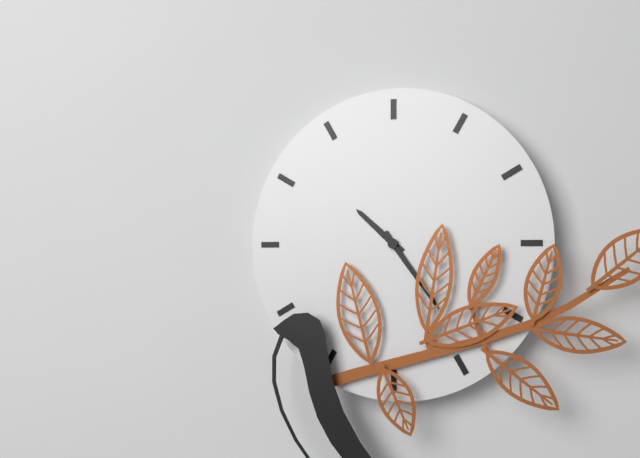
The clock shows **10:24**
